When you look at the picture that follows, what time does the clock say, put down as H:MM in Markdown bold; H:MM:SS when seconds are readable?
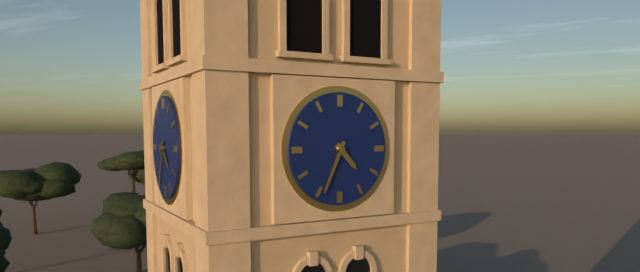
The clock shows **4:34**
